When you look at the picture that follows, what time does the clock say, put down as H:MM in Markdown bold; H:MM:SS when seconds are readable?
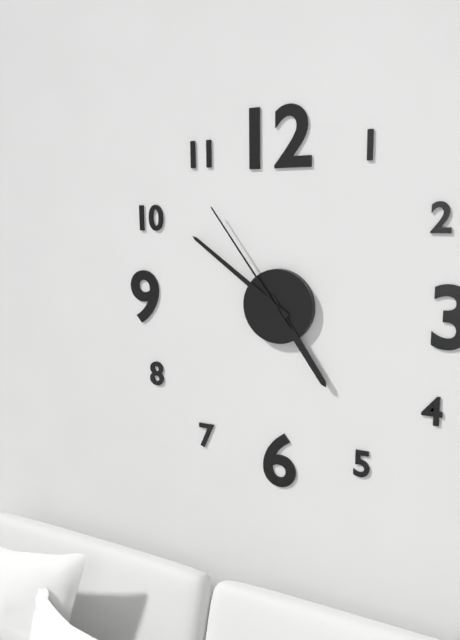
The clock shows **4:51:54**
